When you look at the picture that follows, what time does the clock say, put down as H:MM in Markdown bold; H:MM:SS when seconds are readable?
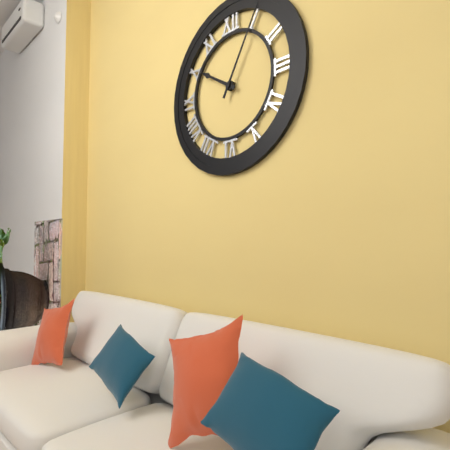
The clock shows **10:05**
